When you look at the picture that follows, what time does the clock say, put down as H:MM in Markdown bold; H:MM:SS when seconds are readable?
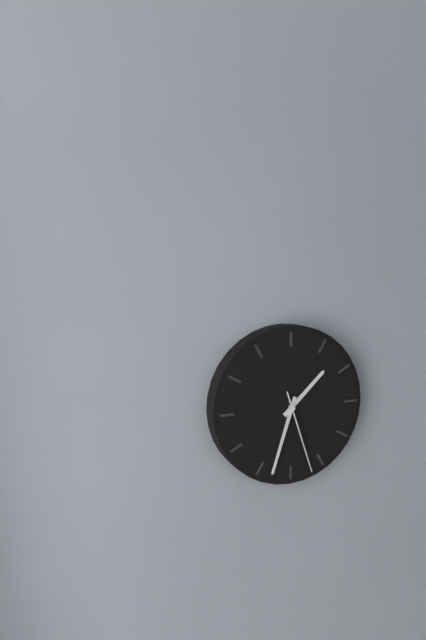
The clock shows **1:33:27**
